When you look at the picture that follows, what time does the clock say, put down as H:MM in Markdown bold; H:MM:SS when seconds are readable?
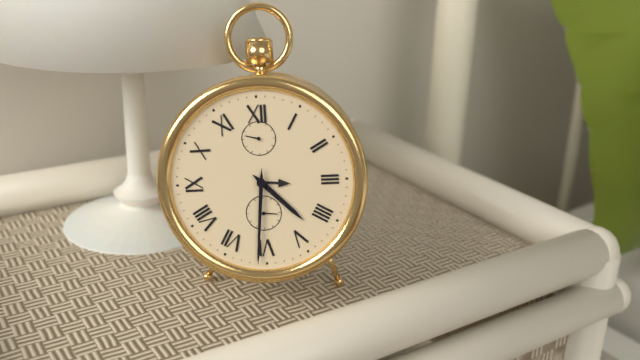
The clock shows **4:31**
